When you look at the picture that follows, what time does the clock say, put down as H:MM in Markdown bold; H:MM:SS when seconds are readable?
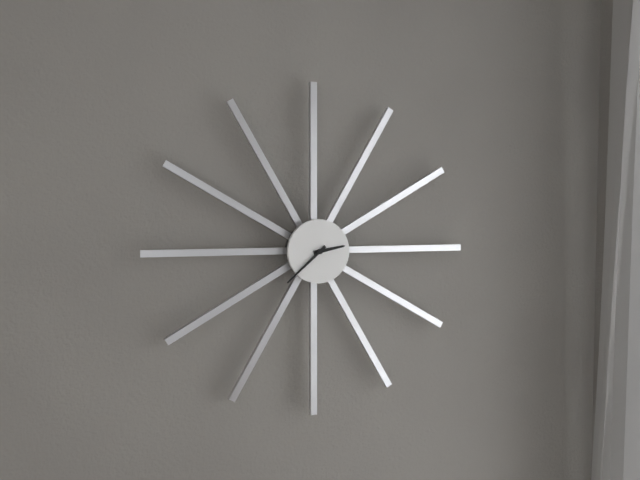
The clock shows **2:38**
